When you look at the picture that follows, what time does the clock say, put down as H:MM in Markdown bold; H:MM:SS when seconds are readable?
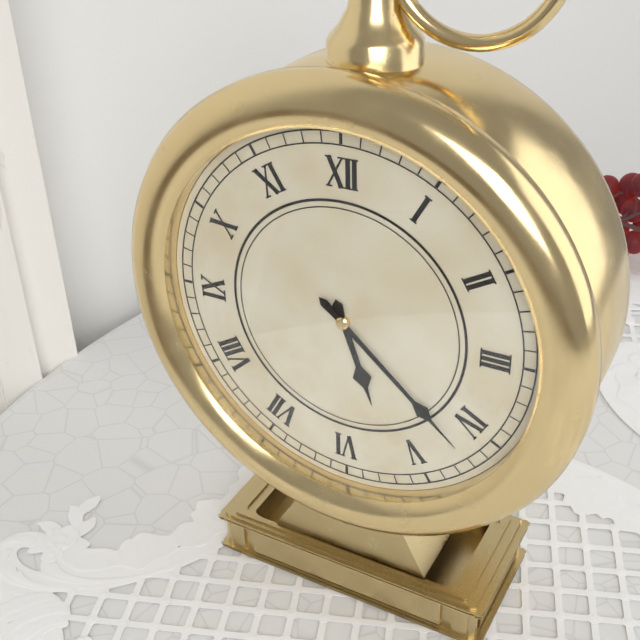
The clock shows **5:22**
